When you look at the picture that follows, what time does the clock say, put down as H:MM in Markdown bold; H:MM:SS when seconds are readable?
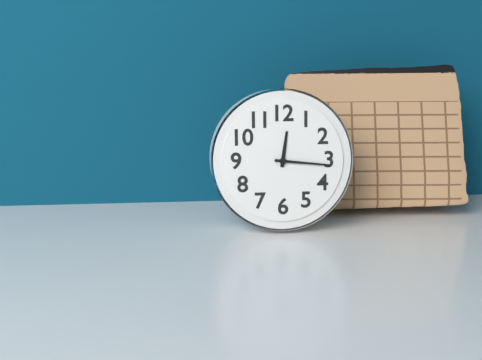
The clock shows **12:16**
